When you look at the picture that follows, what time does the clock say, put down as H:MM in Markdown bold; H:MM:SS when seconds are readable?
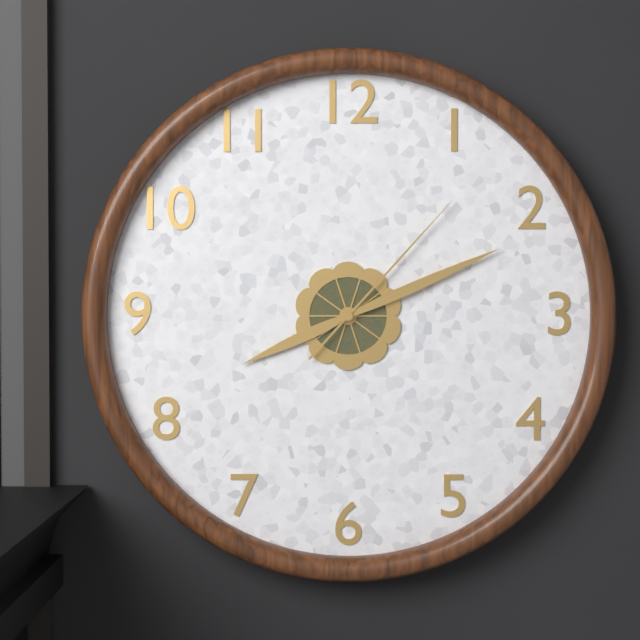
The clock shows **8:11:07**
